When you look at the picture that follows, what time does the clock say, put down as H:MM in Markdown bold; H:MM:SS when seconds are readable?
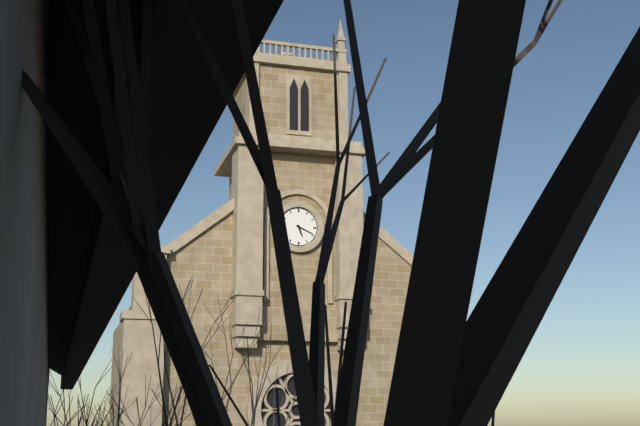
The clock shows **5:19**
